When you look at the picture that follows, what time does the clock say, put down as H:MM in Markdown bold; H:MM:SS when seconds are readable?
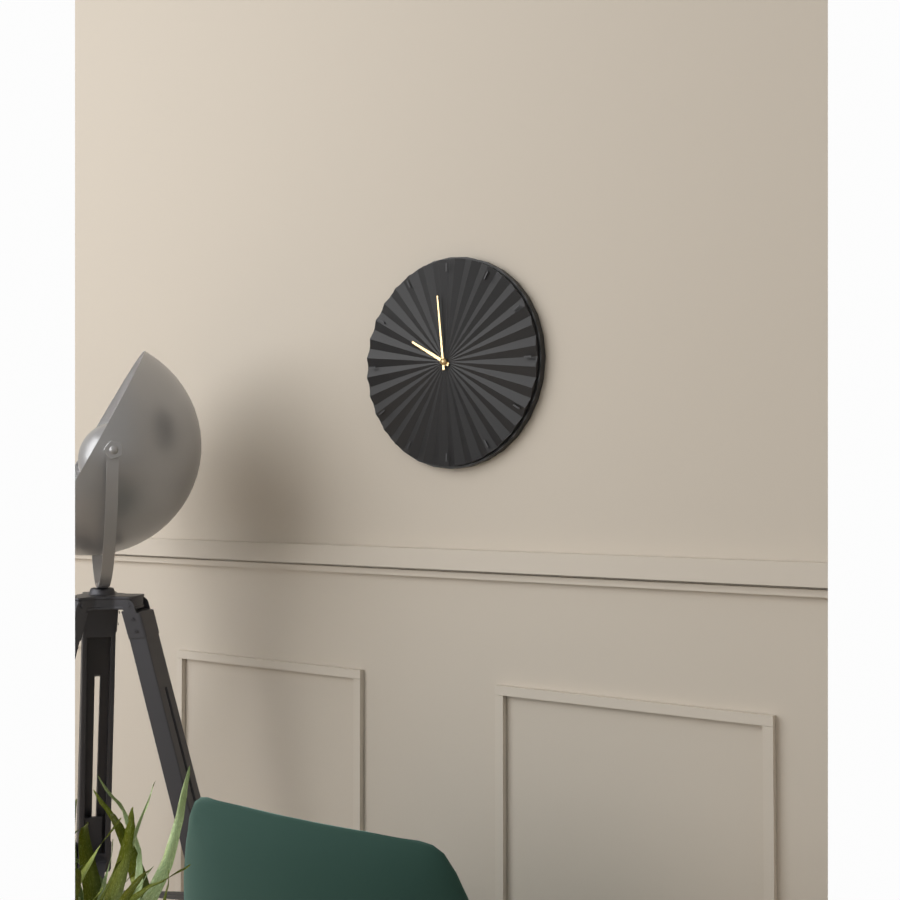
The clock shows **9:59**
